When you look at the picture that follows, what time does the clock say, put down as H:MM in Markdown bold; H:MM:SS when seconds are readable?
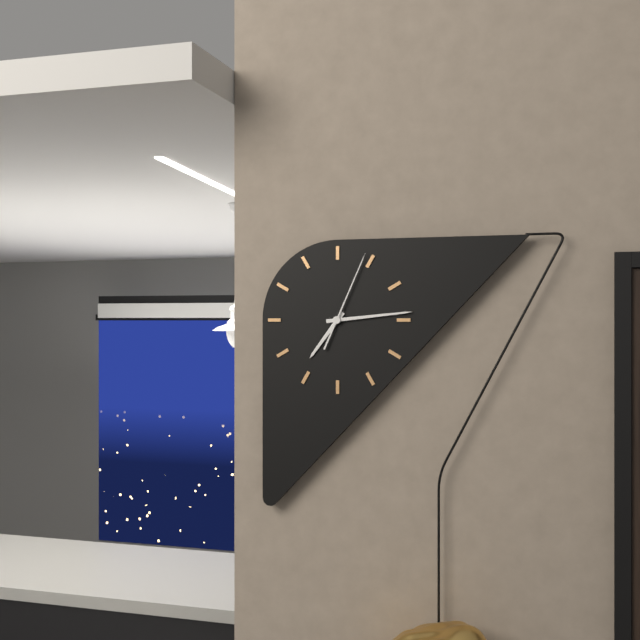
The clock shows **7:14:04**
